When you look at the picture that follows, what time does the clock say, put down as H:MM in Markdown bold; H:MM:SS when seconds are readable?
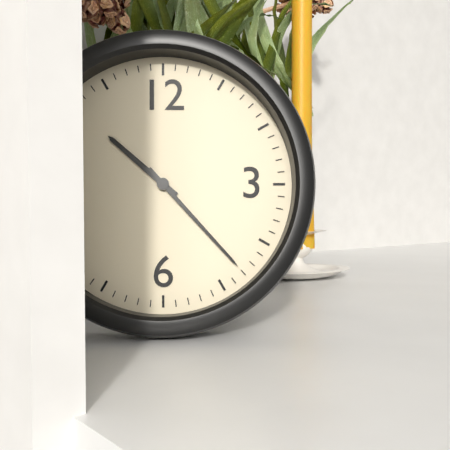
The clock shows **10:23**
